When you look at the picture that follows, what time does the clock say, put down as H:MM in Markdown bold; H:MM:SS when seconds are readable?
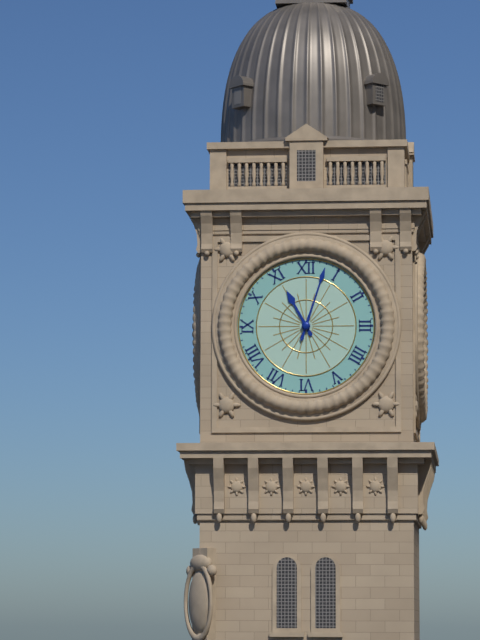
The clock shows **11:03**
